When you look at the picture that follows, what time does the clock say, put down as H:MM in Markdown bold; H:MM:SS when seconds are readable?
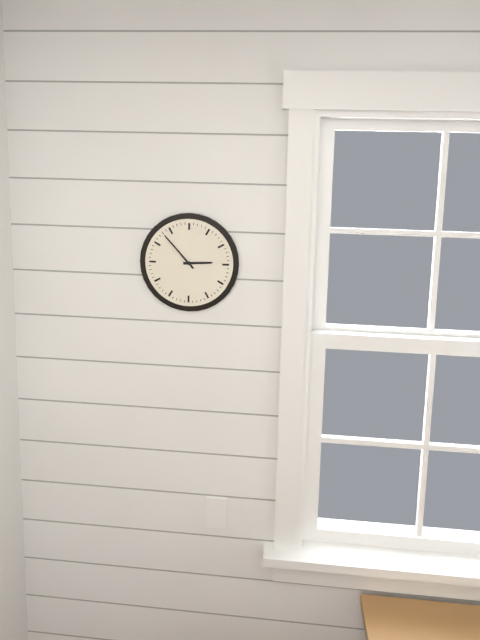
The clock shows **2:53**
